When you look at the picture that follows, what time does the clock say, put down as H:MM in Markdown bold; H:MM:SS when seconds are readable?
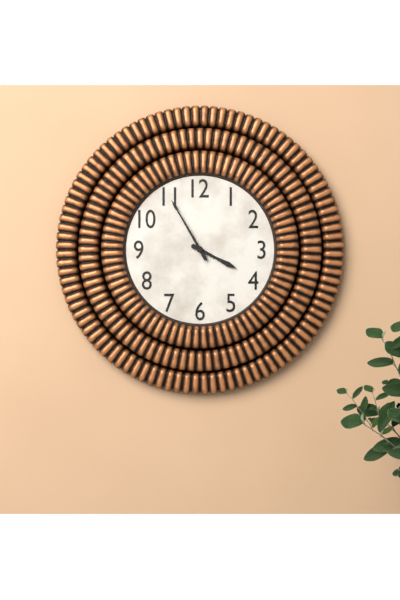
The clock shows **3:55**
